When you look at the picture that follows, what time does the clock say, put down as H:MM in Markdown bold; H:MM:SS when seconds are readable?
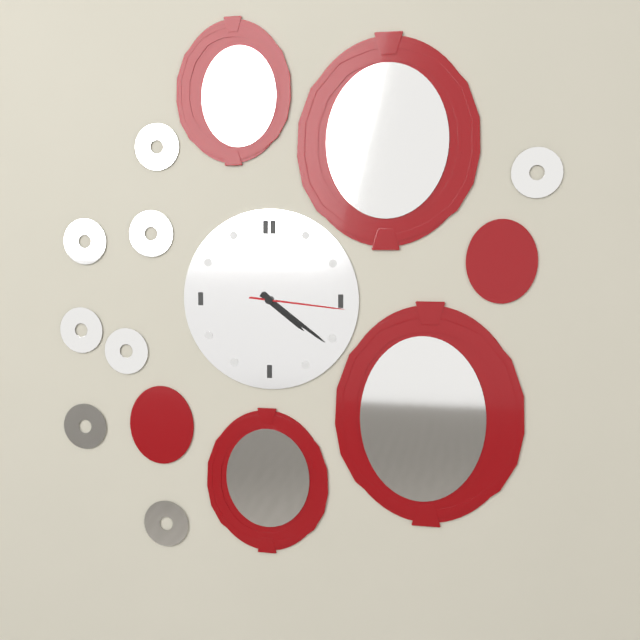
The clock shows **4:21:16**
